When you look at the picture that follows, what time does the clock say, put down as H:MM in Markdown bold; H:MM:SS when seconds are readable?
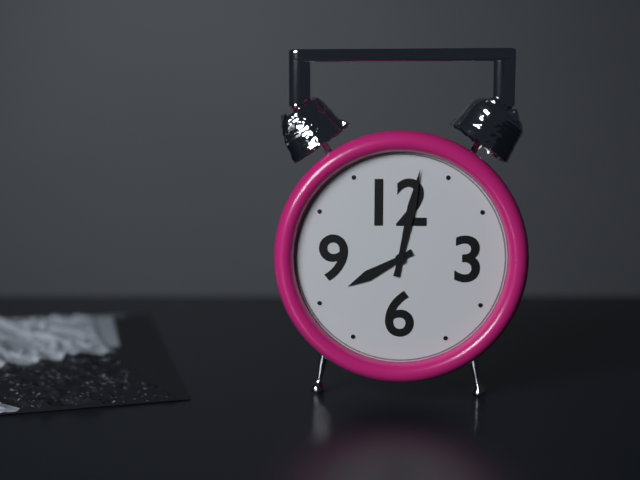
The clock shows **8:02**
